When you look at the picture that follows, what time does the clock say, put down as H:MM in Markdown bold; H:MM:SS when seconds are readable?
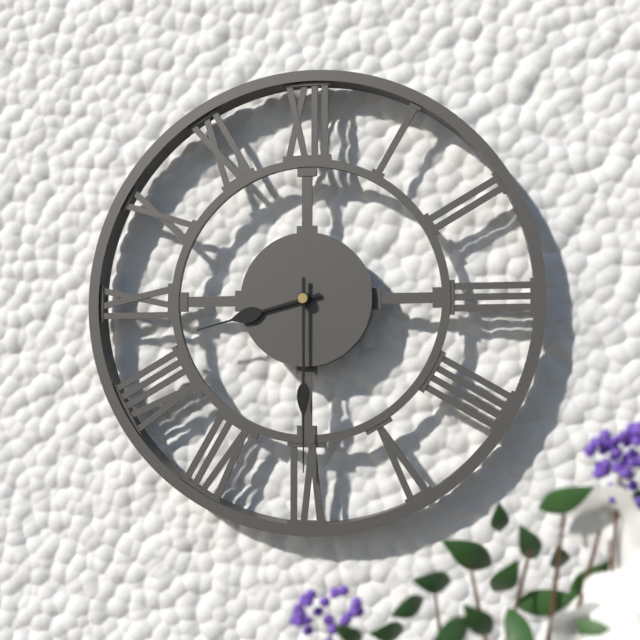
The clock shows **8:30**
